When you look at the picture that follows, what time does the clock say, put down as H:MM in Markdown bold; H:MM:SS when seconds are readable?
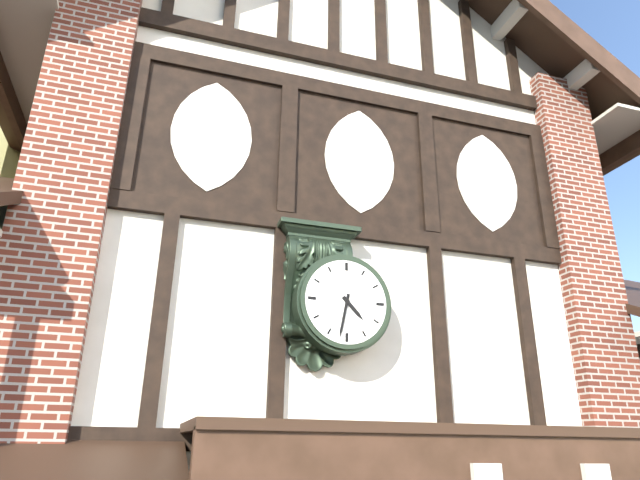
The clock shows **4:32**
